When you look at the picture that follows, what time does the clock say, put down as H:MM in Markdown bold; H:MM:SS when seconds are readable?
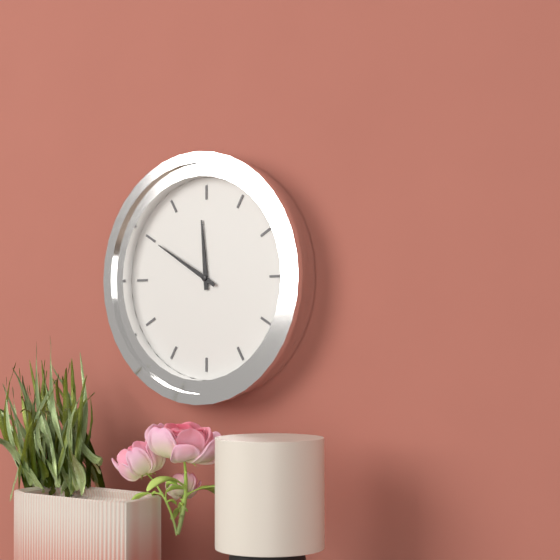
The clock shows **11:50**
